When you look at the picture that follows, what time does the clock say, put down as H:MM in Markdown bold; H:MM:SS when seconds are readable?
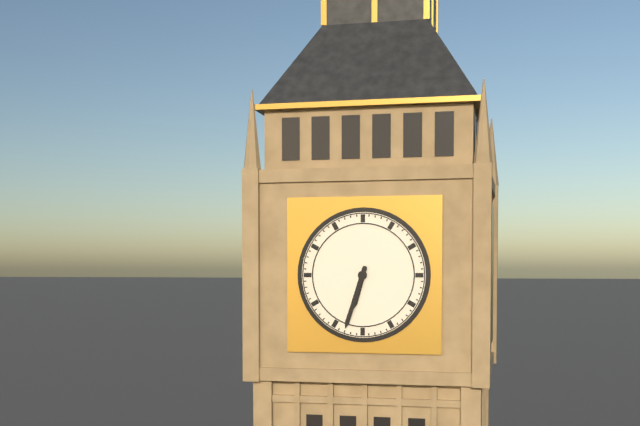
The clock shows **6:33**
